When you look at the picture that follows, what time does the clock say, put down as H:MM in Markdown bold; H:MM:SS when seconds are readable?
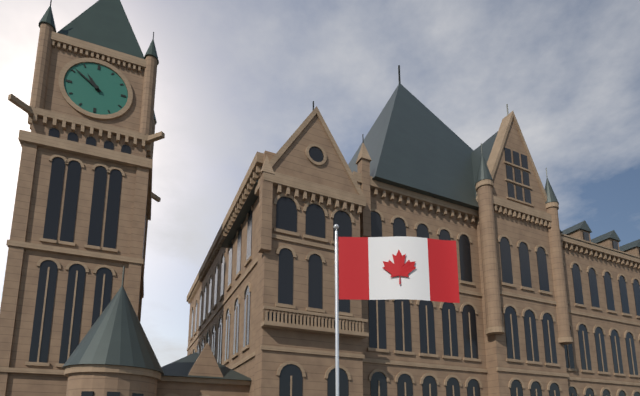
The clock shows **10:51**
